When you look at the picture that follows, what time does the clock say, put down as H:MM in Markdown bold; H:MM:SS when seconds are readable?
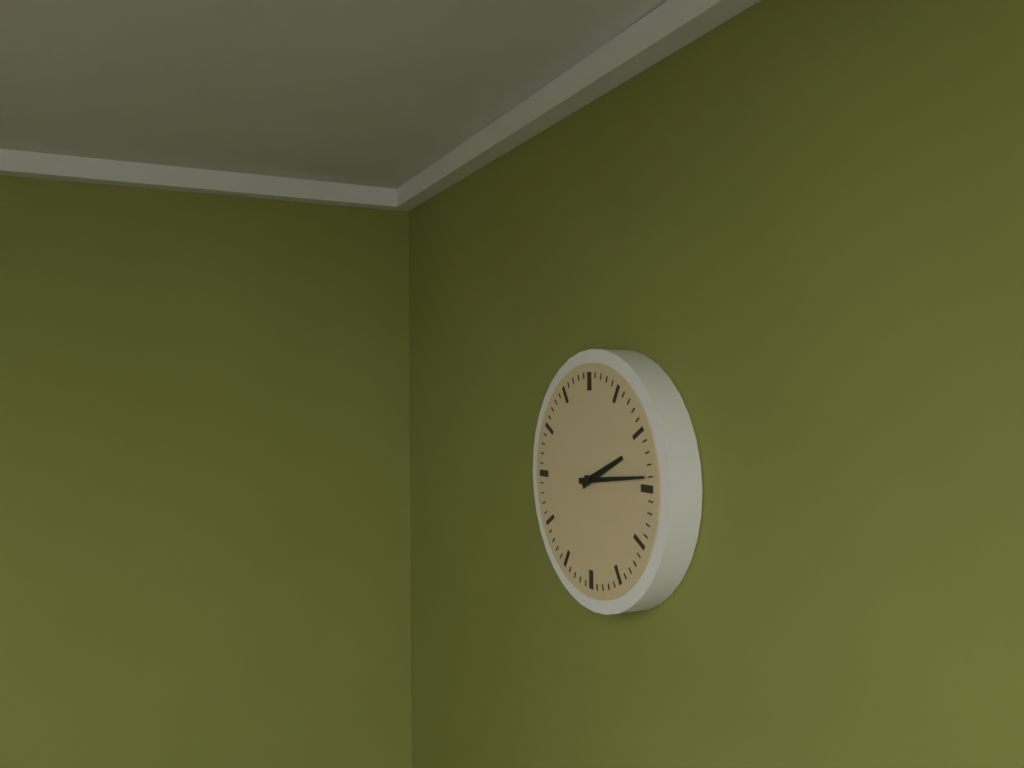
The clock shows **2:14**
